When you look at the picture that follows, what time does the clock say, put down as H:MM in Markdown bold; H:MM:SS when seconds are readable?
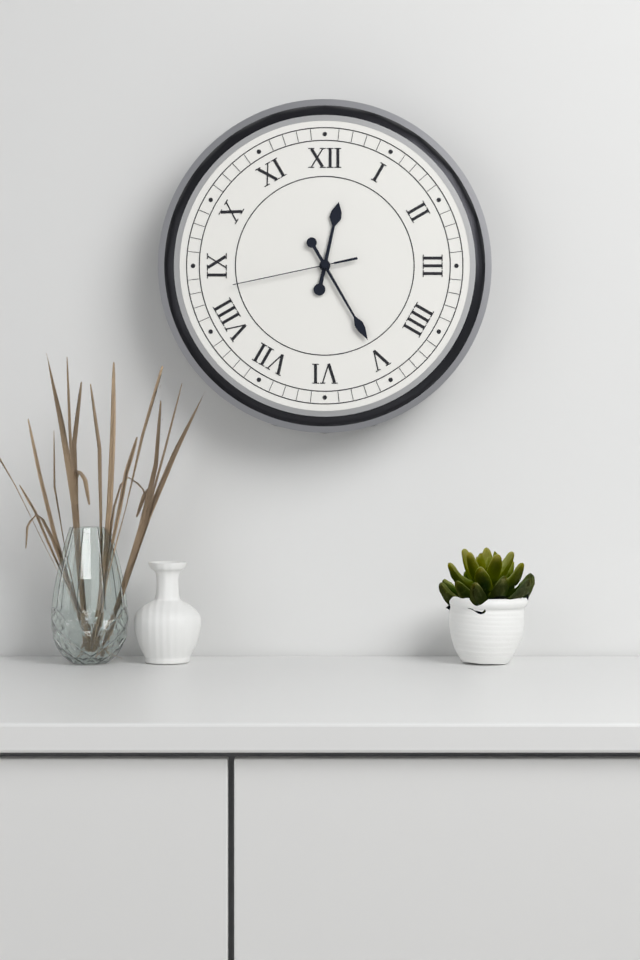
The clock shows **12:25:43**
